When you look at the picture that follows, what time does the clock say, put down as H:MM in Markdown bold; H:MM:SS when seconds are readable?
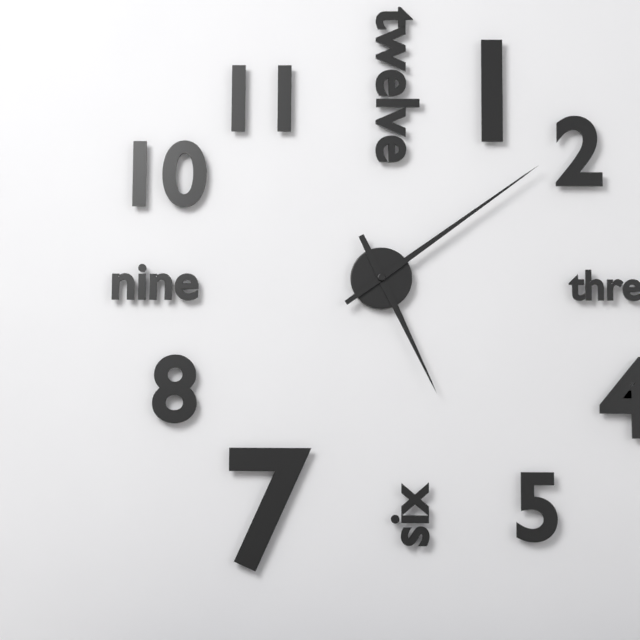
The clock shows **5:09**
